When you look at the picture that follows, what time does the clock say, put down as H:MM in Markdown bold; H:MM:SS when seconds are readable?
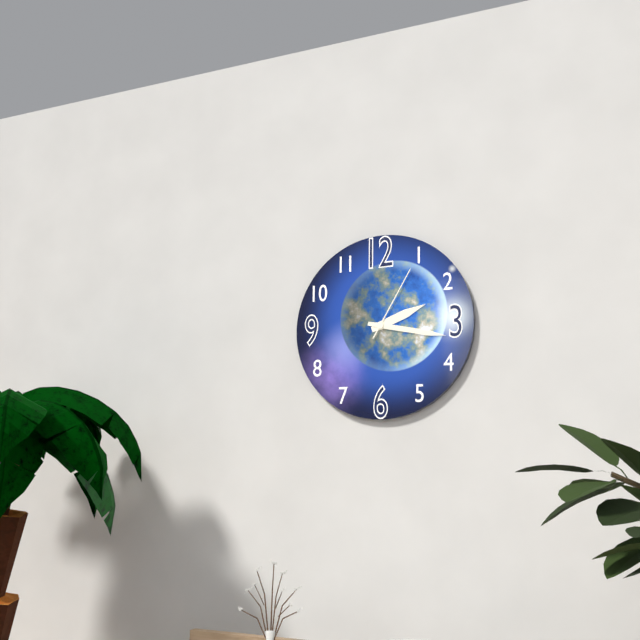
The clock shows **2:17:05**
